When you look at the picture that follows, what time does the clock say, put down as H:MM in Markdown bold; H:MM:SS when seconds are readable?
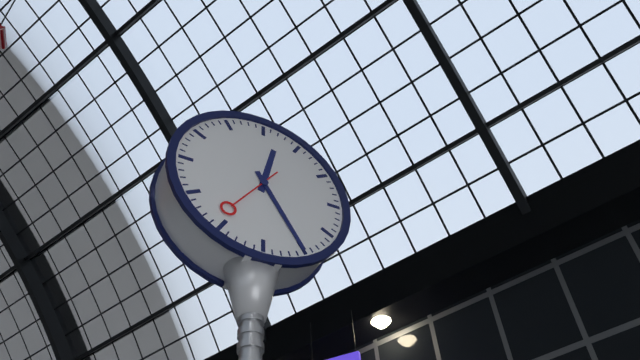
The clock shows **12:25:36**
